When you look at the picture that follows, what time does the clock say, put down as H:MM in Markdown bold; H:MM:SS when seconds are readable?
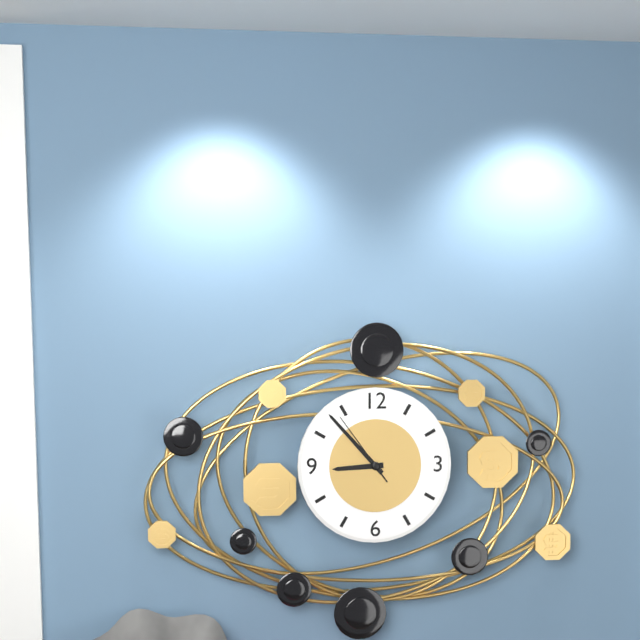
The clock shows **8:53:54**
